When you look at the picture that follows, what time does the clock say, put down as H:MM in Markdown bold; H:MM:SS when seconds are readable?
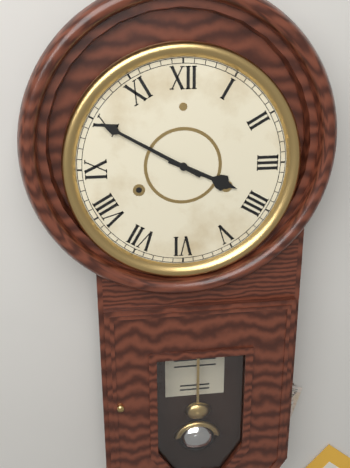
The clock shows **3:50**
